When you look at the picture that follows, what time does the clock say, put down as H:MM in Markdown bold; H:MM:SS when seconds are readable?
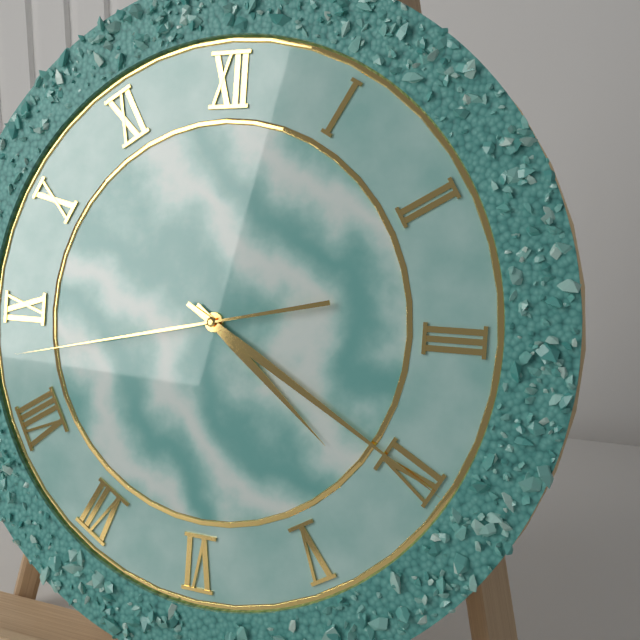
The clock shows **4:20:43**
